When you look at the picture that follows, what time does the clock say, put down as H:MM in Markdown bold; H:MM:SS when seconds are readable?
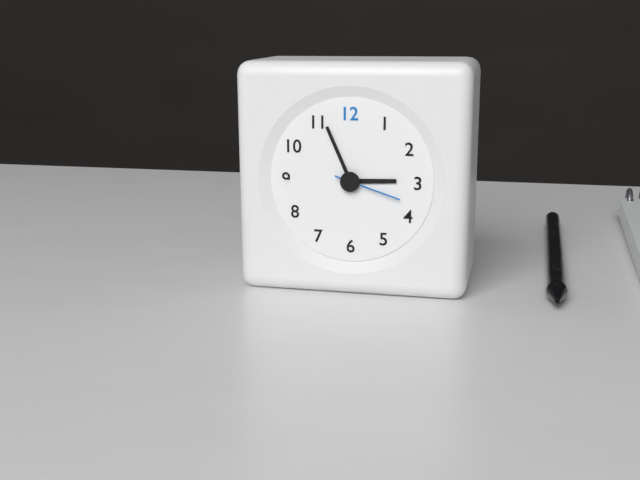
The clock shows **2:56:18**
